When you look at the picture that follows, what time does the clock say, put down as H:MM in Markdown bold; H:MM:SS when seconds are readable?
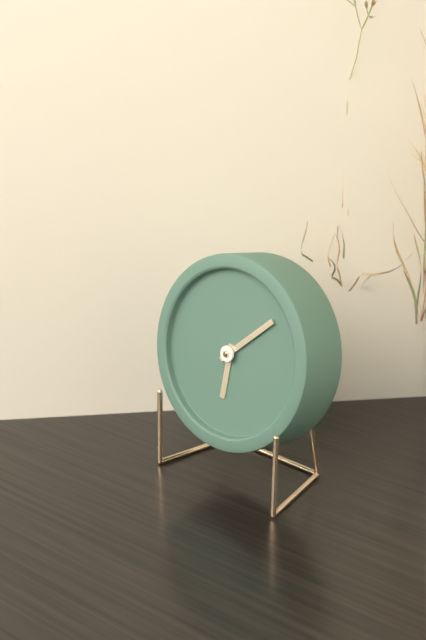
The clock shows **6:08**
